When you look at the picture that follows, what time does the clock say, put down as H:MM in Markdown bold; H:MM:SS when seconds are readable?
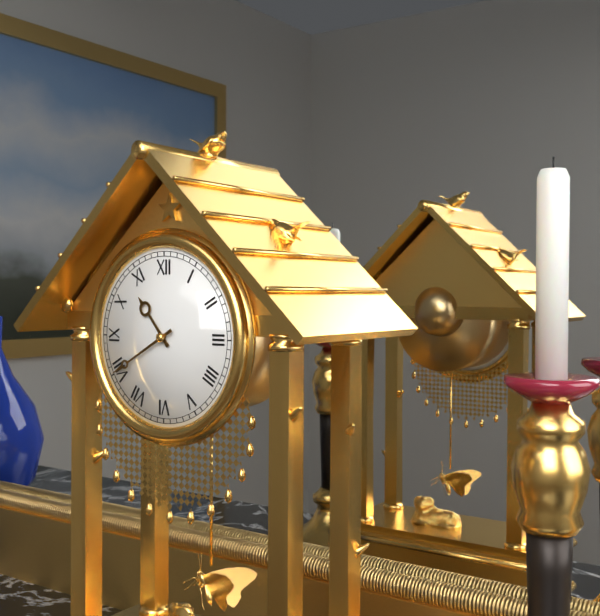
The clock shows **10:40**
